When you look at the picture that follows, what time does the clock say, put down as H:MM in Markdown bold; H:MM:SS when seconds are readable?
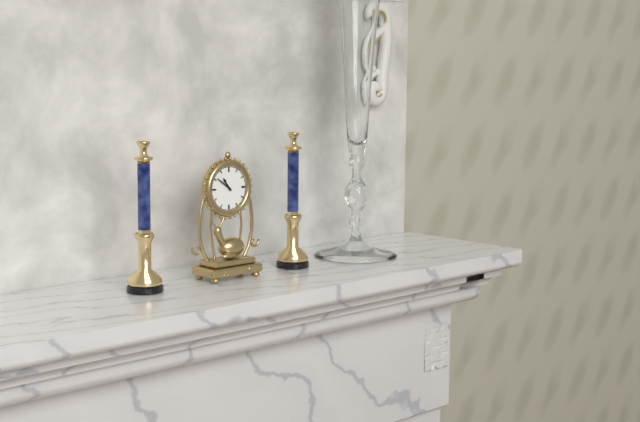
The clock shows **10:51**
